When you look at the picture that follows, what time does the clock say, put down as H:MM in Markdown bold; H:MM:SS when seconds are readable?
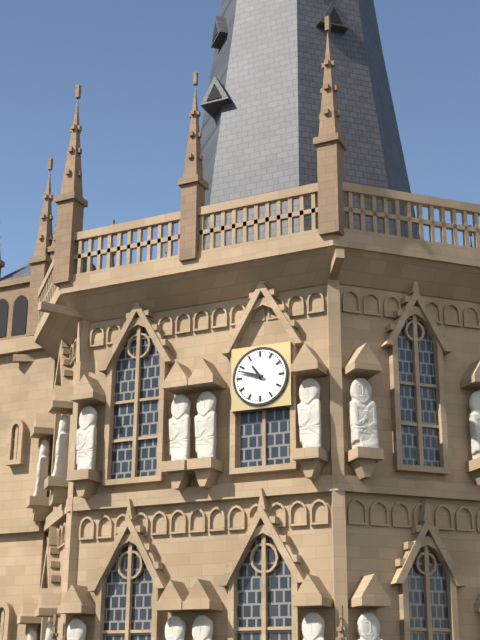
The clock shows **10:48**
